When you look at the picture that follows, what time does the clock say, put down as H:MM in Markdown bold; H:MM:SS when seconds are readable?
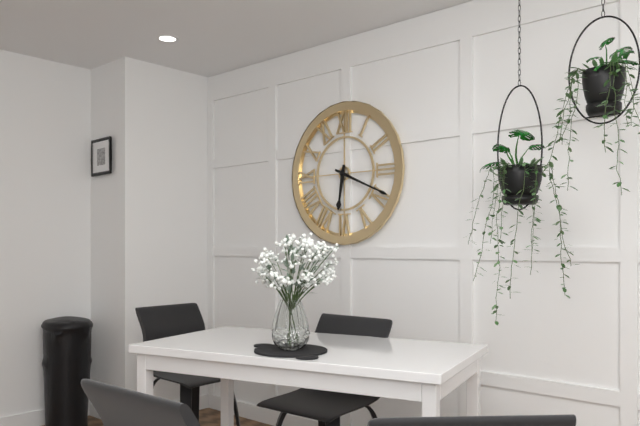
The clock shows **6:19**
